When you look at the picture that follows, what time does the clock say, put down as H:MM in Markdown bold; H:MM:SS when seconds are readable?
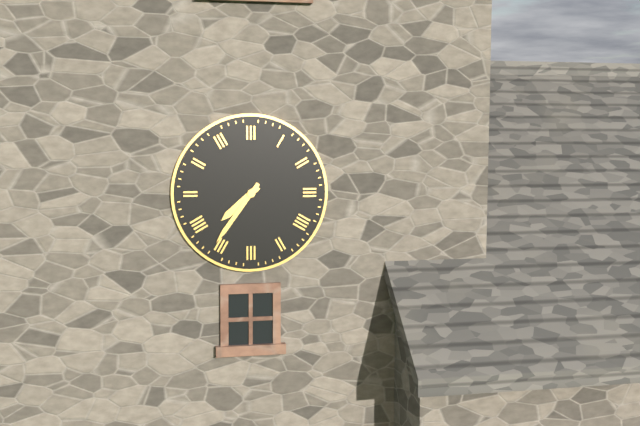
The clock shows **7:36**
